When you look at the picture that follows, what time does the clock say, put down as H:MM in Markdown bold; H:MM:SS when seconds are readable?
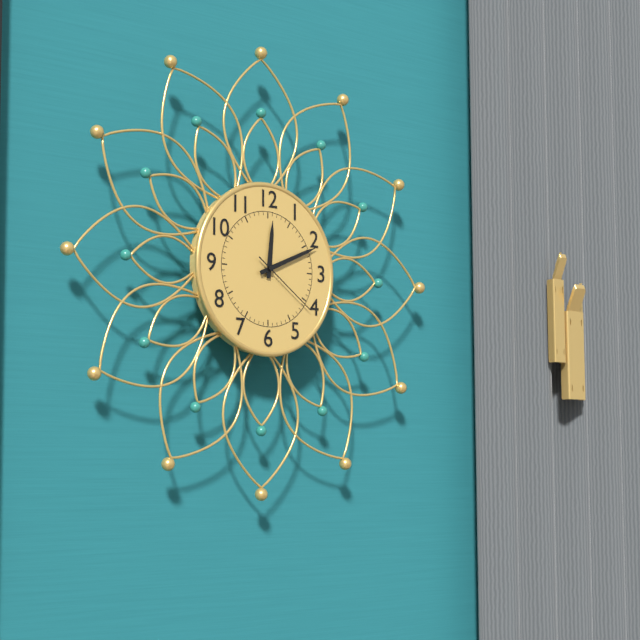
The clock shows **12:11:21**
